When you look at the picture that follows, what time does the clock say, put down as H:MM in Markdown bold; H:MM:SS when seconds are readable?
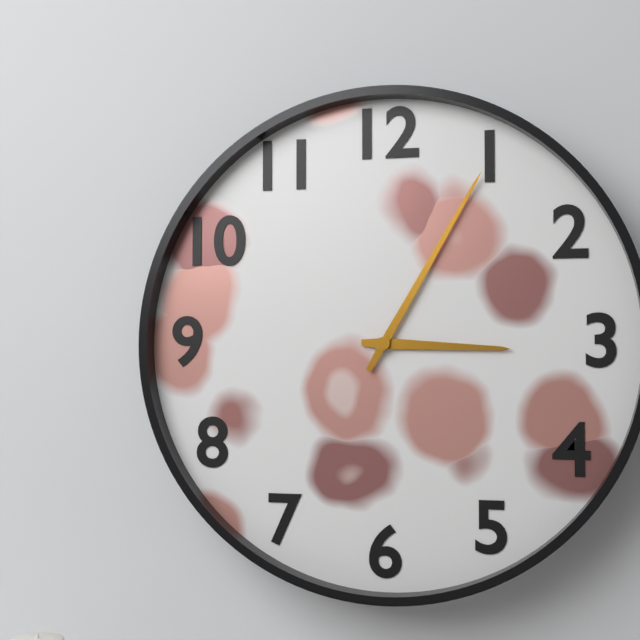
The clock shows **3:05**
